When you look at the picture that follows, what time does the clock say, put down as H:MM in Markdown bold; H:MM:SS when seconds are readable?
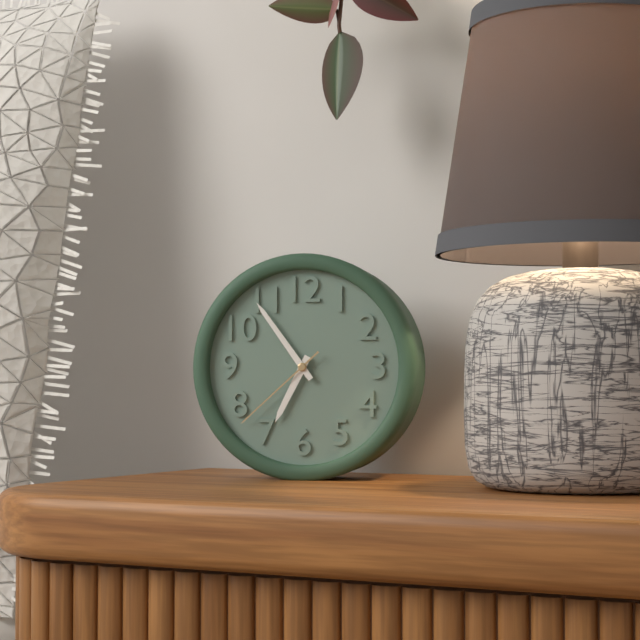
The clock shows **6:54:38**
